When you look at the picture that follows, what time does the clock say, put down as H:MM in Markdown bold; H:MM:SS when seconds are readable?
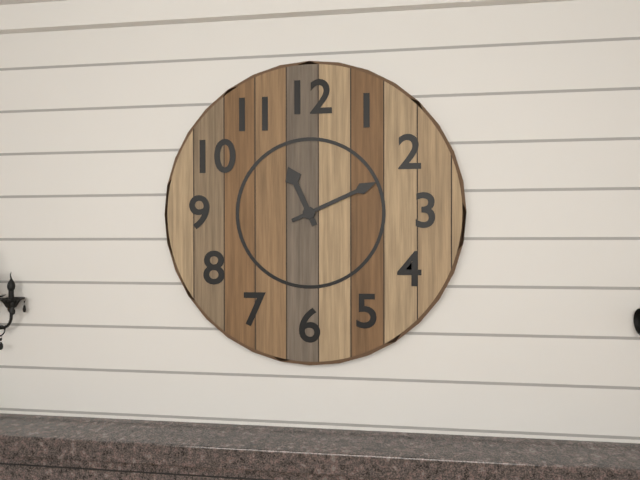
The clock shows **11:11**
